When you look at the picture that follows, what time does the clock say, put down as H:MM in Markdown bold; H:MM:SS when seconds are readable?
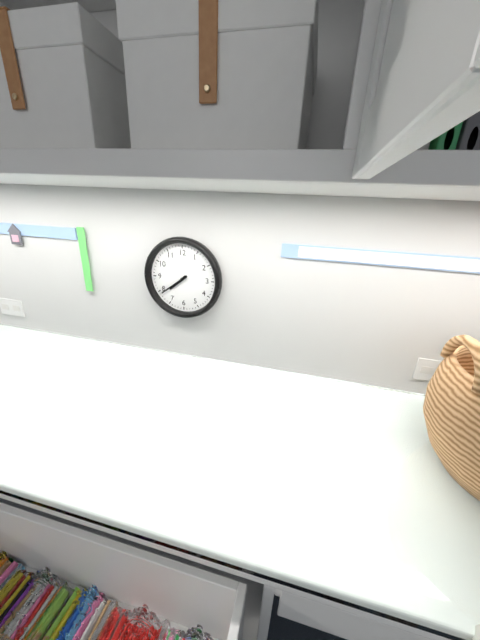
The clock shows **7:39**
